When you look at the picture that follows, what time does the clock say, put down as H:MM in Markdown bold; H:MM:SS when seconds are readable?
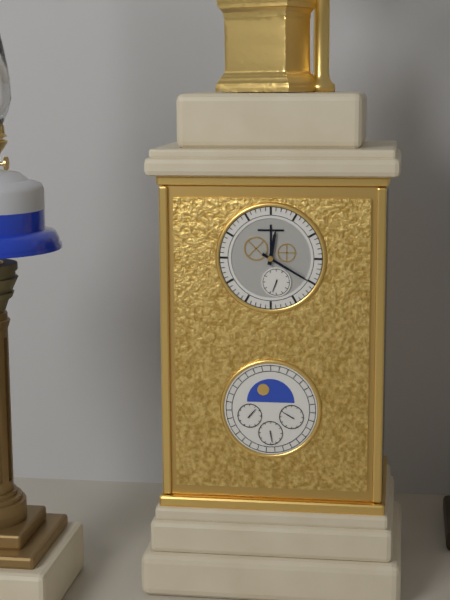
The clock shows **12:20**
